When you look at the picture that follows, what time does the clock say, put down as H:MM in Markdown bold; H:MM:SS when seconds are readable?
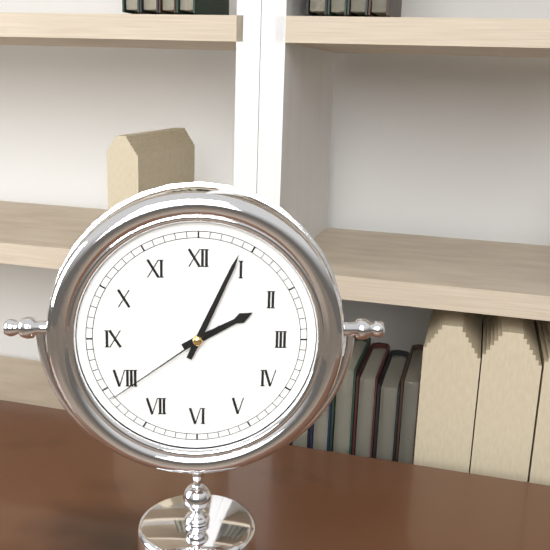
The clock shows **2:04:39**
